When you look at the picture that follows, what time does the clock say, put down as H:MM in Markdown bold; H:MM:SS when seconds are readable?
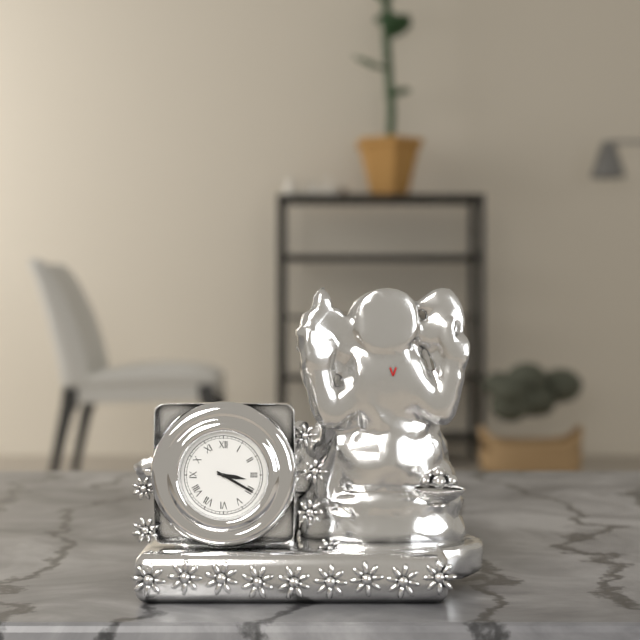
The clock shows **3:20**
